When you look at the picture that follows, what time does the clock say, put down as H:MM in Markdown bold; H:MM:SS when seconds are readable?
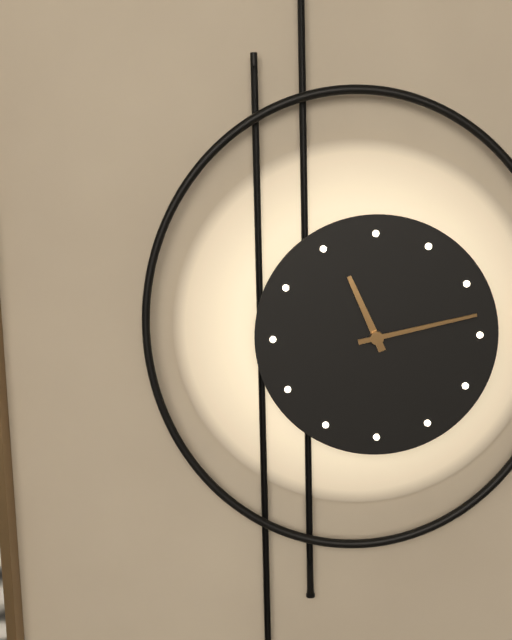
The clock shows **11:13**
